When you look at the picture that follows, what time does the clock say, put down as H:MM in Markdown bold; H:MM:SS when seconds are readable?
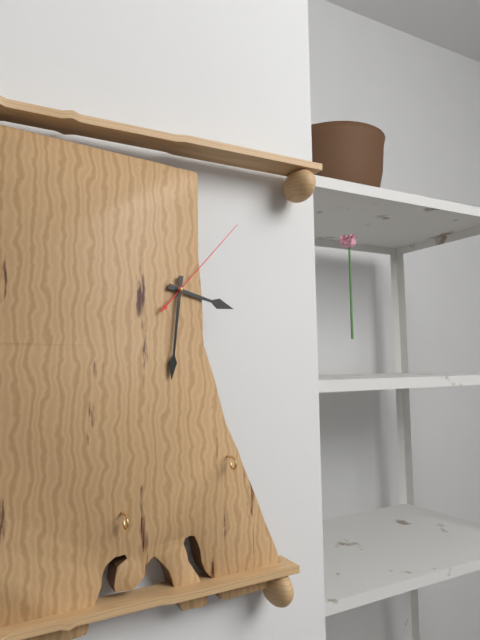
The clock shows **3:31:07**
